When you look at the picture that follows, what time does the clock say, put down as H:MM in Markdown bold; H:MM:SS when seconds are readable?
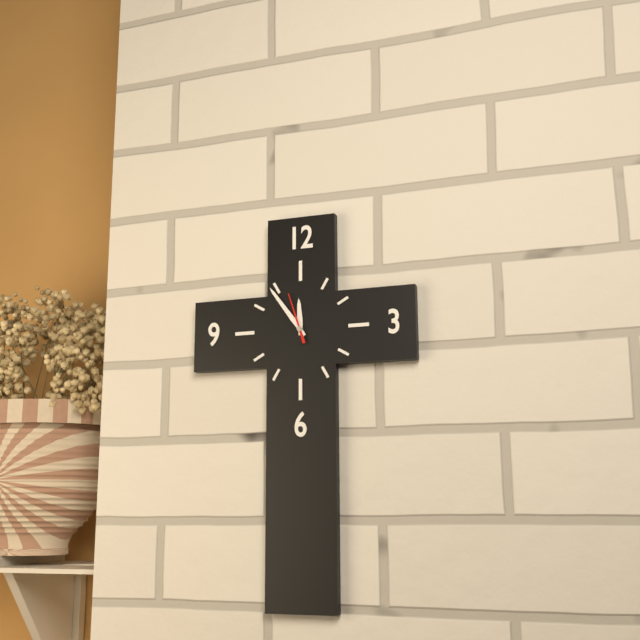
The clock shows **11:54**
